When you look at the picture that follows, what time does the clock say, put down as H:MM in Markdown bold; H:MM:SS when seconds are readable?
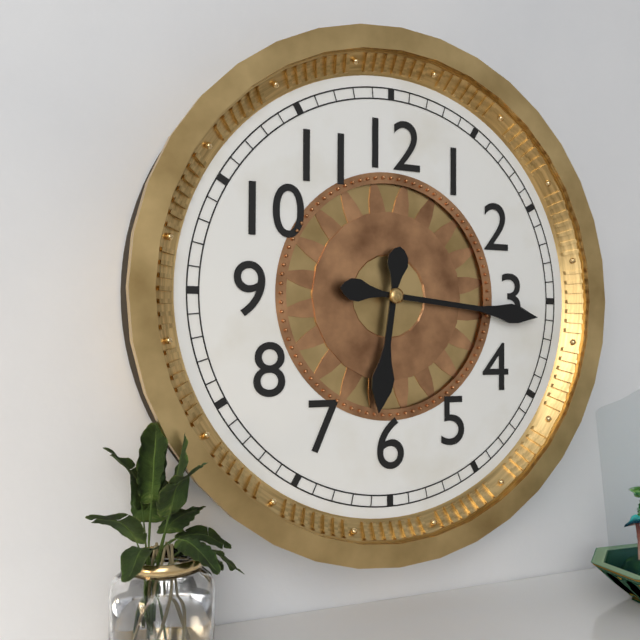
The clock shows **6:16**
